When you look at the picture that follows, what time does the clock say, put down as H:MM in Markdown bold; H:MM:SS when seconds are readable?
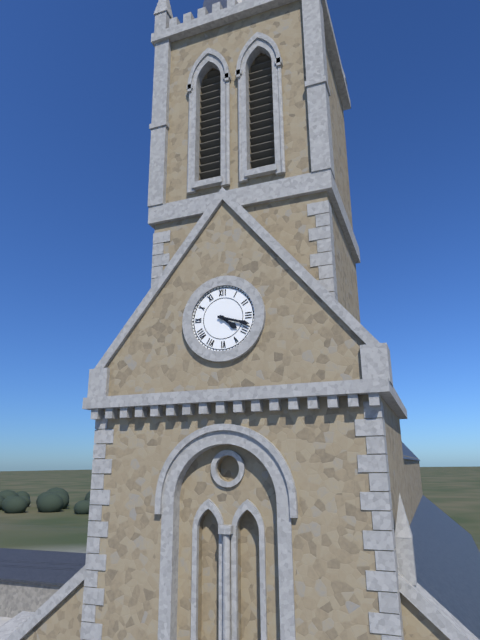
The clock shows **4:18**
